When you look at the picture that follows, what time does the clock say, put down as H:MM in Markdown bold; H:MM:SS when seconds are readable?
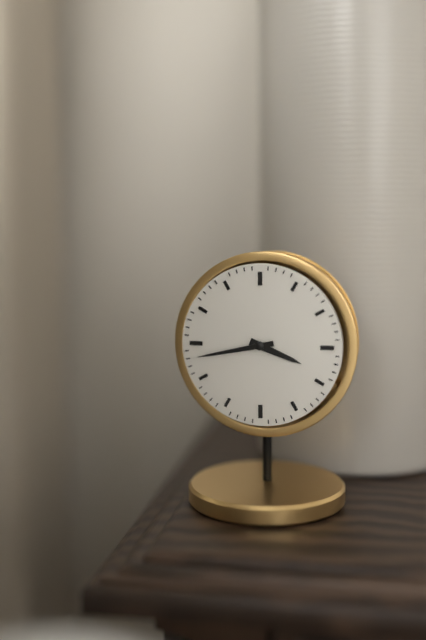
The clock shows **3:43**
